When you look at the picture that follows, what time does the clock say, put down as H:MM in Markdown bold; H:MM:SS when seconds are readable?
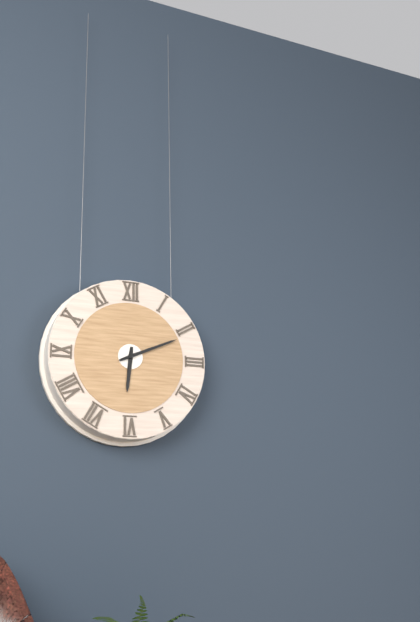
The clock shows **6:11**
